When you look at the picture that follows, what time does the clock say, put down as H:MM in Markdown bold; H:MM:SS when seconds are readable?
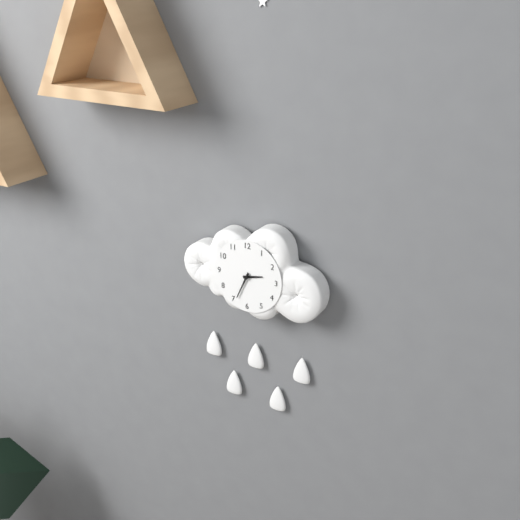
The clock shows **2:34**
